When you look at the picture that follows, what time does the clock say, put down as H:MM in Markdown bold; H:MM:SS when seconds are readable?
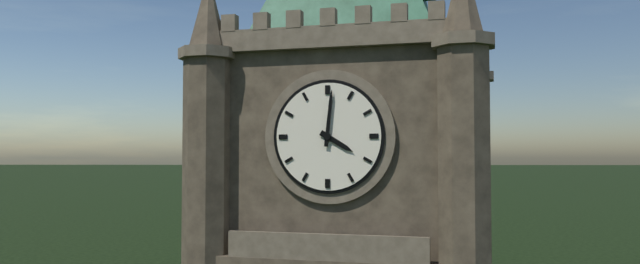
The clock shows **4:01**
